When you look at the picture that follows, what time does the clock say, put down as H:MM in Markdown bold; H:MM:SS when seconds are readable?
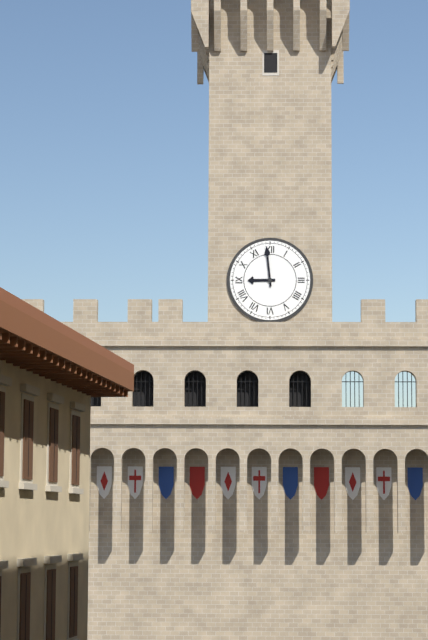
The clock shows **8:59**
